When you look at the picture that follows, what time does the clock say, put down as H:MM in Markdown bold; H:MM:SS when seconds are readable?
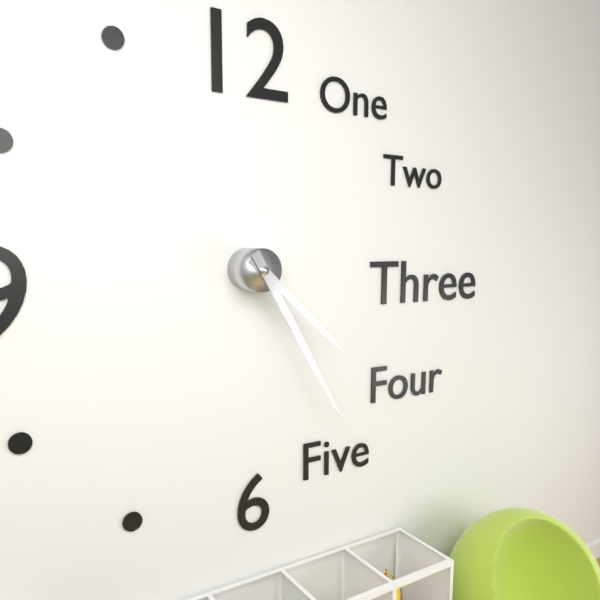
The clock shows **4:25**
